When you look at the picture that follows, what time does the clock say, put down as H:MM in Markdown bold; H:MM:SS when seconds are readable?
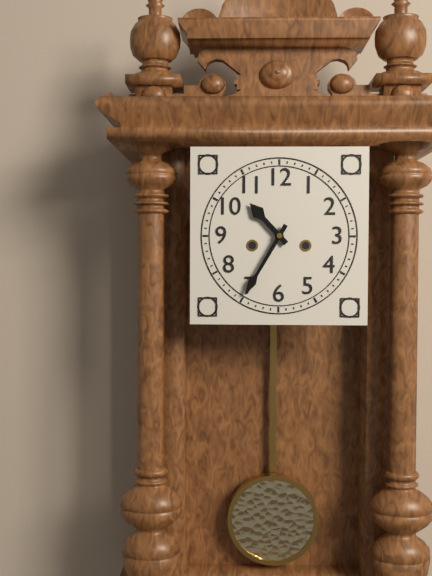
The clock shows **10:35**
